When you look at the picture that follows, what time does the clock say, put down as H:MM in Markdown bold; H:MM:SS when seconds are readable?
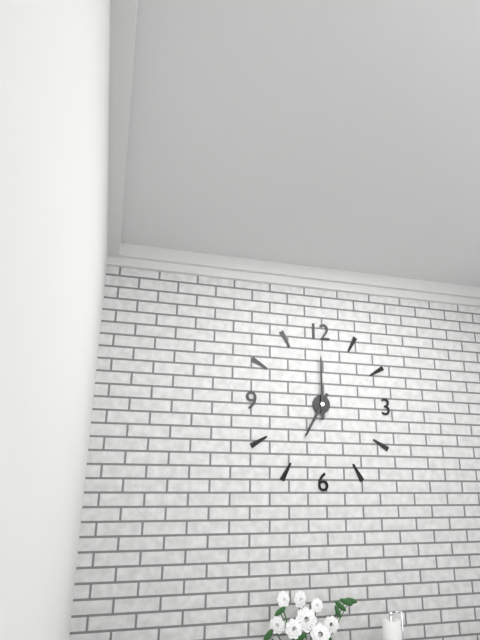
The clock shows **7:00**
